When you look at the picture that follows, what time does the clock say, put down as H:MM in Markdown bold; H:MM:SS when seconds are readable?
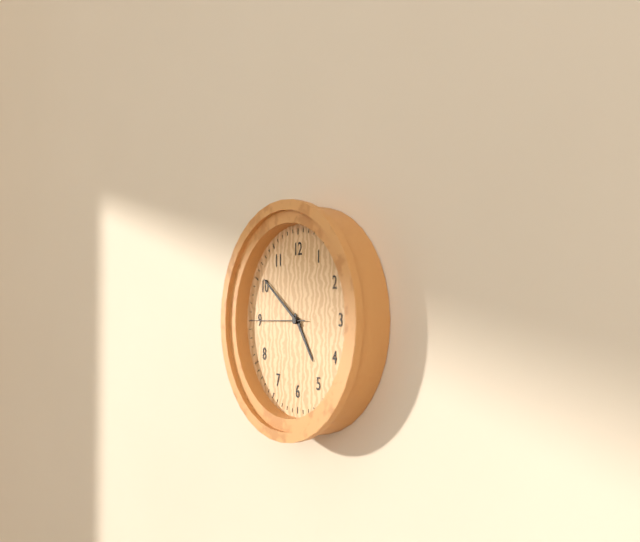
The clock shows **4:51:45**
